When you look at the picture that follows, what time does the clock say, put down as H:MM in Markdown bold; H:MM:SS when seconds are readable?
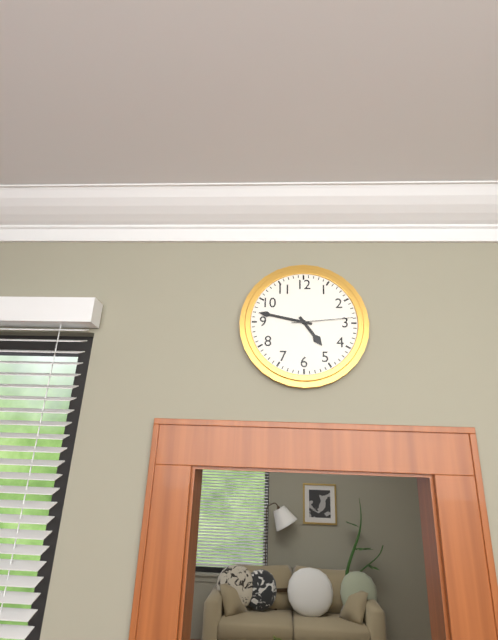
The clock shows **4:47:14**
